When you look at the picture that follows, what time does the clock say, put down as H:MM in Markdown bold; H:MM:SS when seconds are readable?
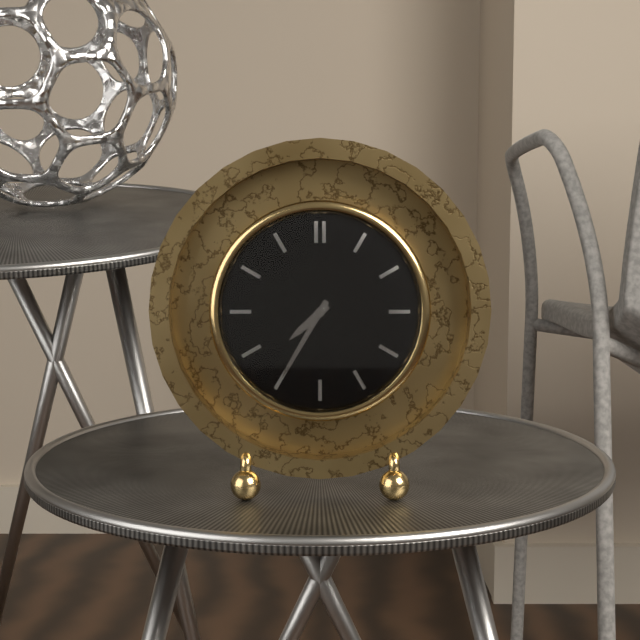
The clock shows **7:35**
